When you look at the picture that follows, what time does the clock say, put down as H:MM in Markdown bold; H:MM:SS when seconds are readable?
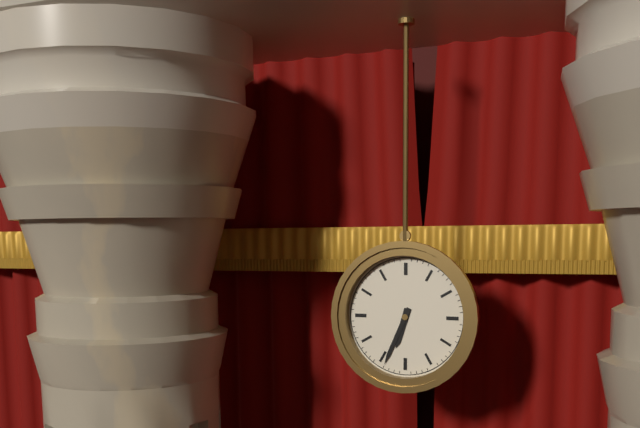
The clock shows **6:34**
